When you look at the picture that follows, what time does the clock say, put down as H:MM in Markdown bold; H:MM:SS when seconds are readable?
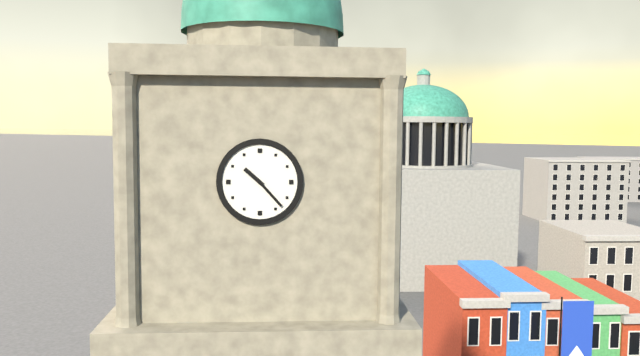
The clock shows **10:23**
